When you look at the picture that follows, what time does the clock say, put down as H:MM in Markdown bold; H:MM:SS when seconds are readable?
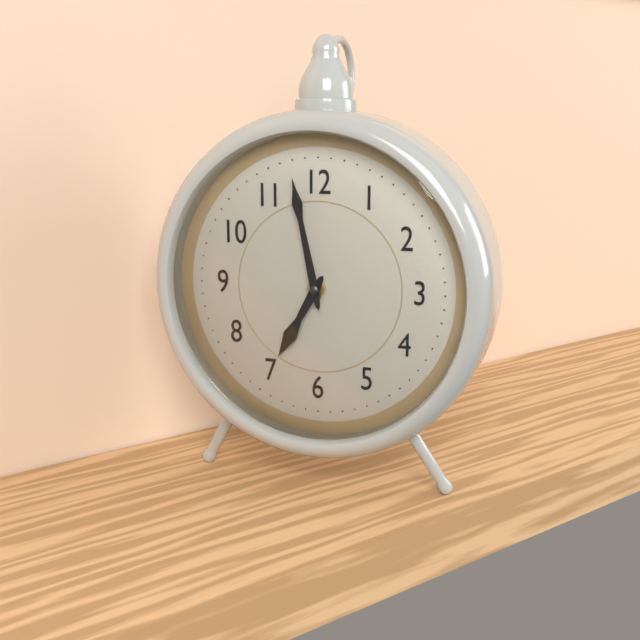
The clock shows **6:58**
